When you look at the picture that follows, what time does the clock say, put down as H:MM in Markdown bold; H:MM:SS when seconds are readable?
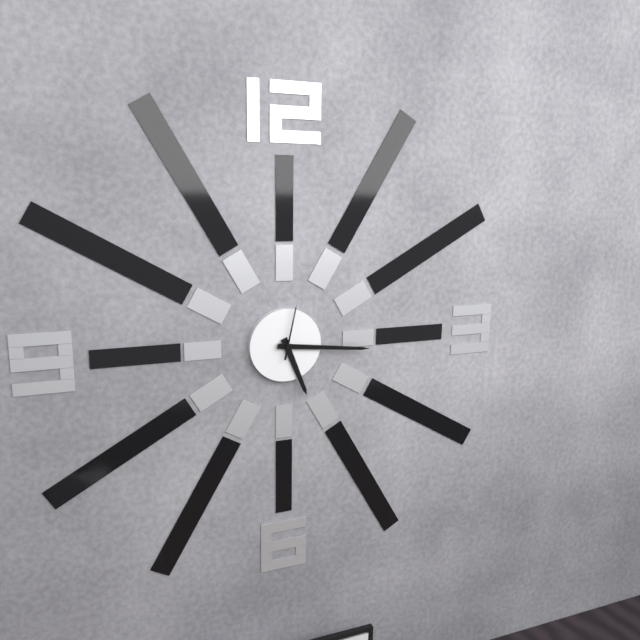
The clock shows **5:16:02**
